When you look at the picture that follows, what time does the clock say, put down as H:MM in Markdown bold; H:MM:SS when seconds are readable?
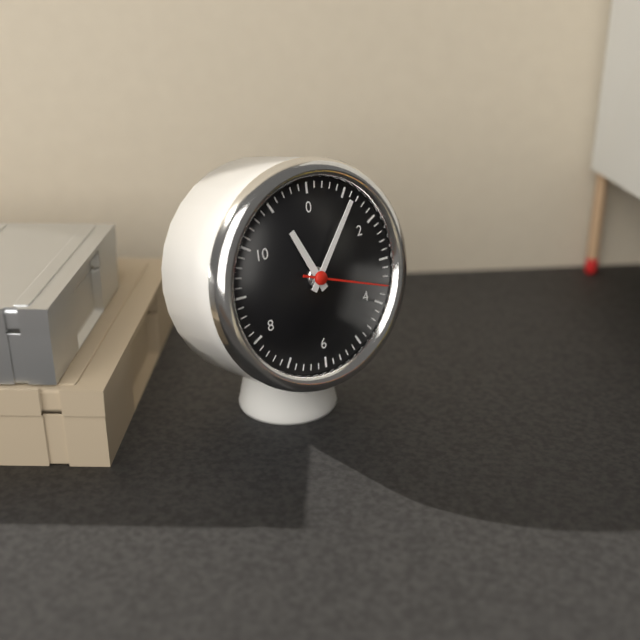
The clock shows **11:06:18**
